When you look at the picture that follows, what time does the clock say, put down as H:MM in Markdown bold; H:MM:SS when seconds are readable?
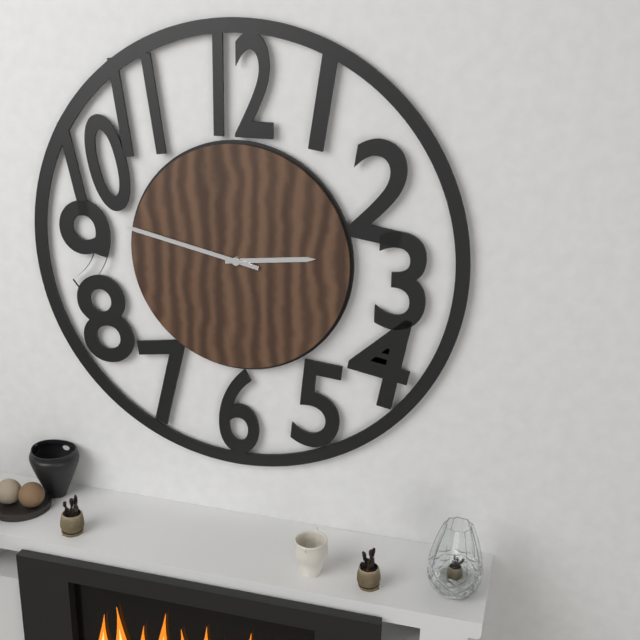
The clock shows **2:47**
